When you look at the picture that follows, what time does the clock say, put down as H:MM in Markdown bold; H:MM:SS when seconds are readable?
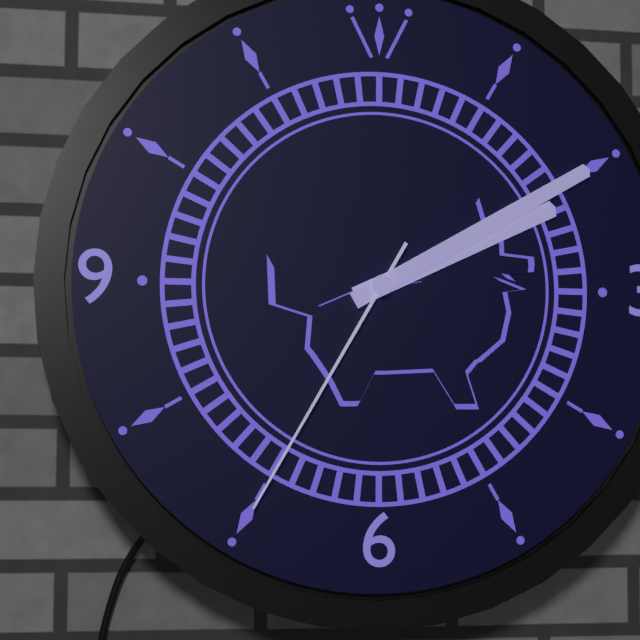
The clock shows **2:10:35**
